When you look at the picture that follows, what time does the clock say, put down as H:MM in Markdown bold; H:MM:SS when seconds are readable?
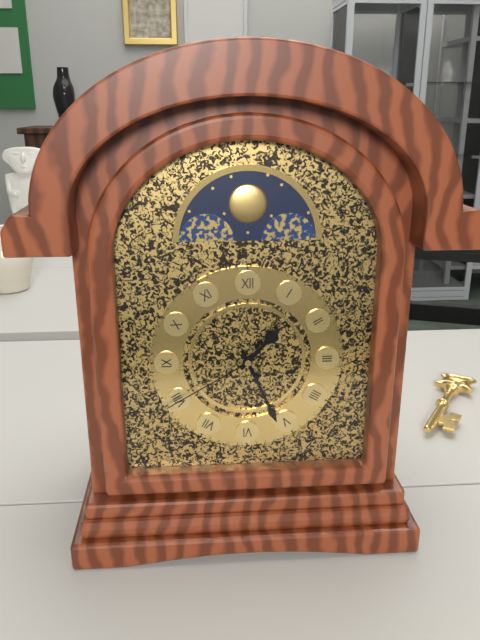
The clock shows **1:26:40**
